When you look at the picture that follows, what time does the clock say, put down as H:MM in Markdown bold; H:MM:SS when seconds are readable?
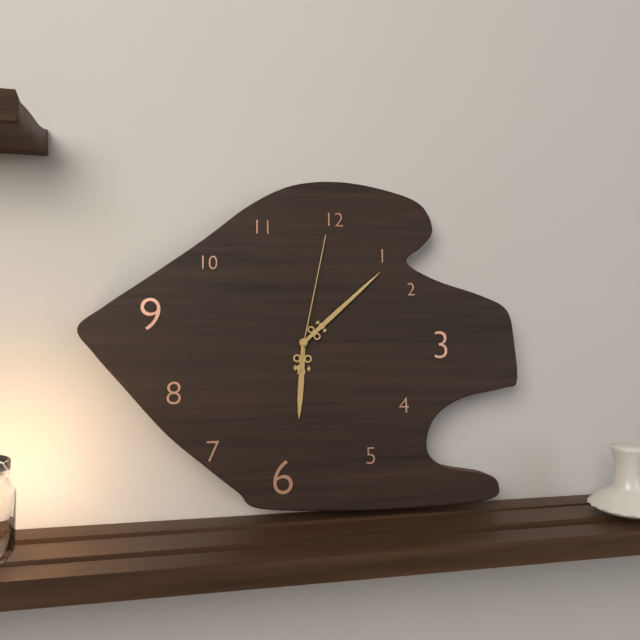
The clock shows **6:08:02**
